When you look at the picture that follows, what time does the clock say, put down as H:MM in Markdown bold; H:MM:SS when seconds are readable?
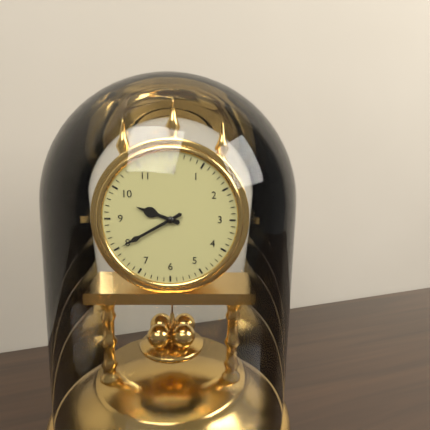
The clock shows **9:40**
